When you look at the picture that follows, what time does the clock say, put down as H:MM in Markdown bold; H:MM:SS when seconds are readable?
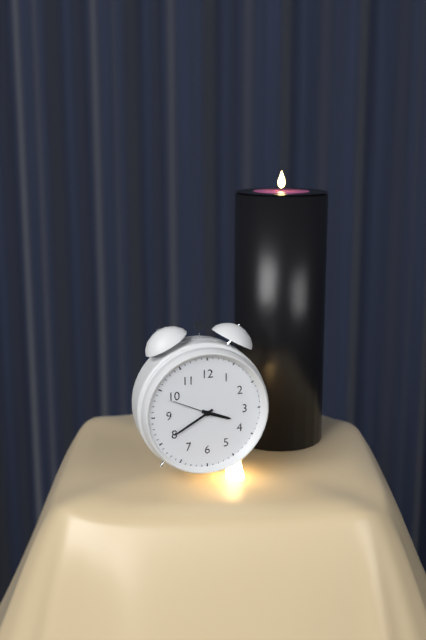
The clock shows **3:40:49**
